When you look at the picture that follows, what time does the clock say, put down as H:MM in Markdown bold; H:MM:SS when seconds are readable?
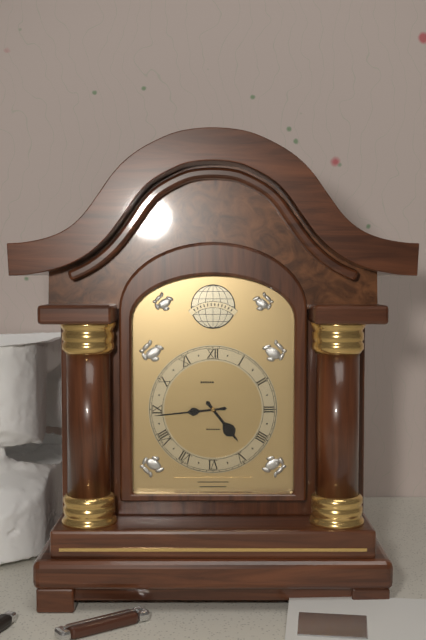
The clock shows **4:44**
